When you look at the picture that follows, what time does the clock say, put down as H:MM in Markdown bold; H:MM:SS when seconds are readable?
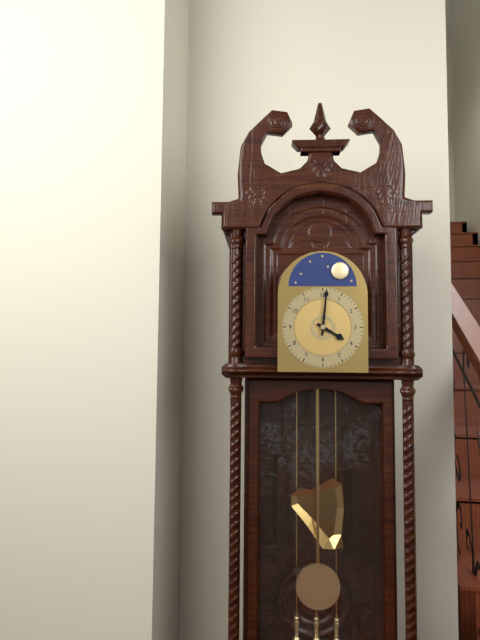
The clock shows **4:01**
